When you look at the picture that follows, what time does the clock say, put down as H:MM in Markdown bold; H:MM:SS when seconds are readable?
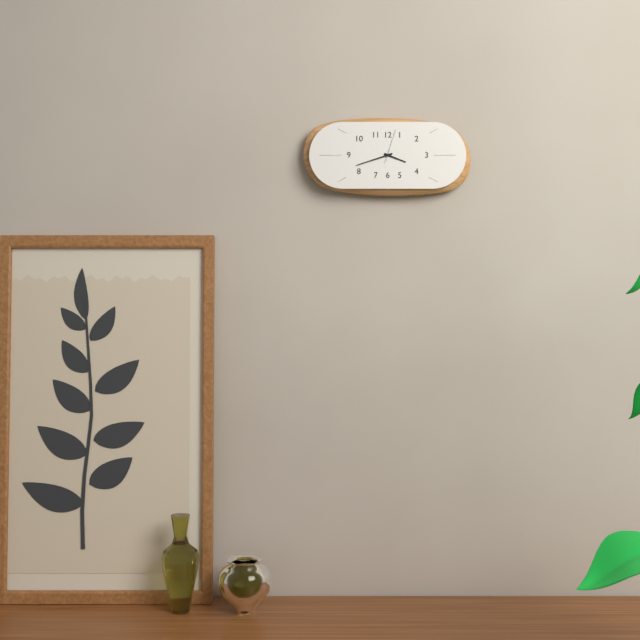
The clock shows **3:42**
